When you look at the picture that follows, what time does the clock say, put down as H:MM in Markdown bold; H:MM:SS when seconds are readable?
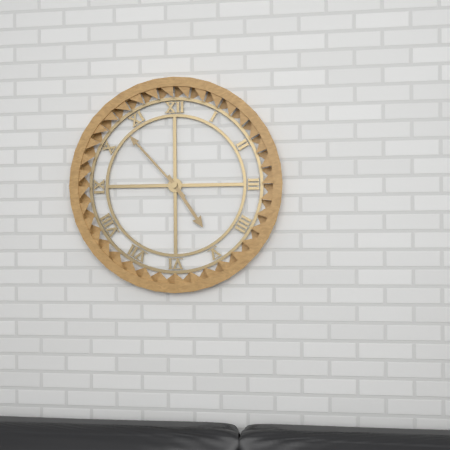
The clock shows **4:53**
